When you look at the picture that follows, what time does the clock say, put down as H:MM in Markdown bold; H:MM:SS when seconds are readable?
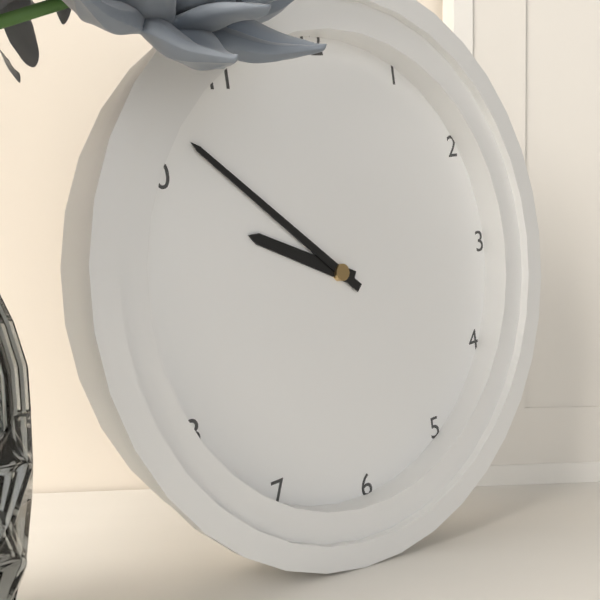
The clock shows **9:52**
